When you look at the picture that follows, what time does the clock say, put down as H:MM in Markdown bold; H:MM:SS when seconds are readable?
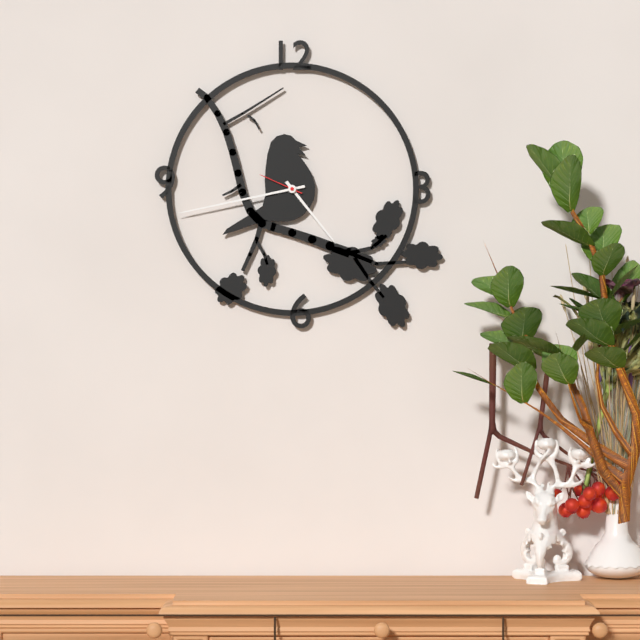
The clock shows **4:43**
